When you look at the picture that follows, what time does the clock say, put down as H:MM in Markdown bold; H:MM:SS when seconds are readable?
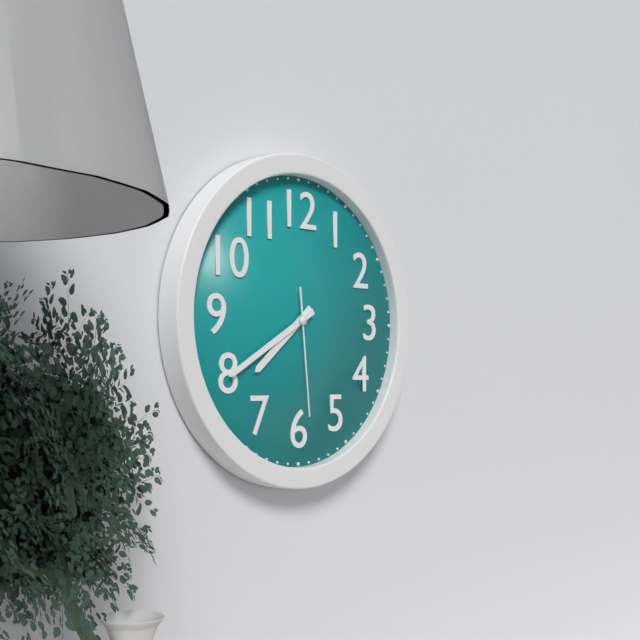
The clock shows **7:40:29**
